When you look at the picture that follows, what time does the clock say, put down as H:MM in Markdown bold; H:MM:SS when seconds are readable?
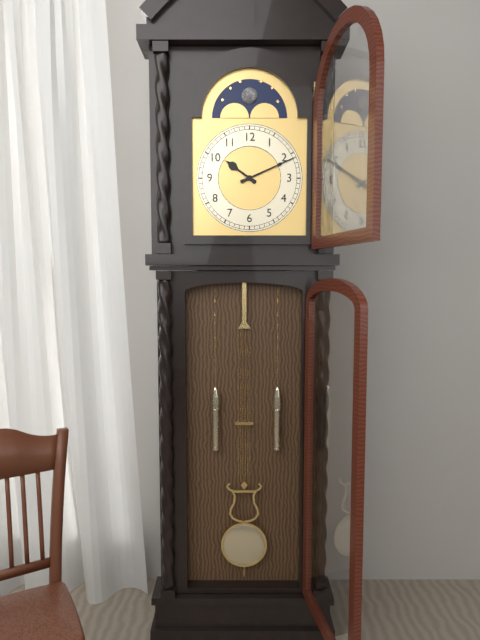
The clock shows **10:11**
